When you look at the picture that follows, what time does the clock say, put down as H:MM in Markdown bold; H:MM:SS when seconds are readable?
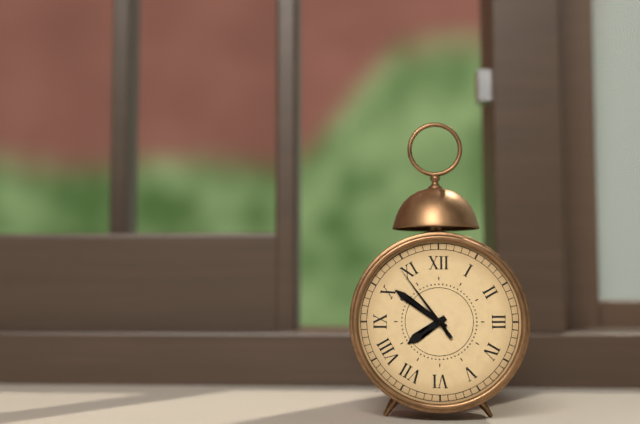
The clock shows **7:51:54**
